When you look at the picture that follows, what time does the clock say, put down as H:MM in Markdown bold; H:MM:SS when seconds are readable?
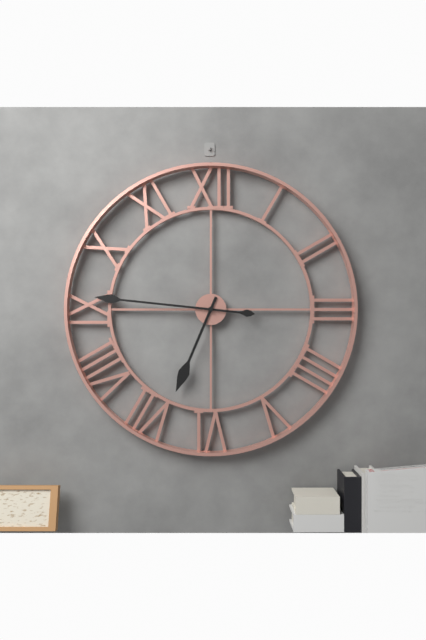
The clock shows **6:46**
